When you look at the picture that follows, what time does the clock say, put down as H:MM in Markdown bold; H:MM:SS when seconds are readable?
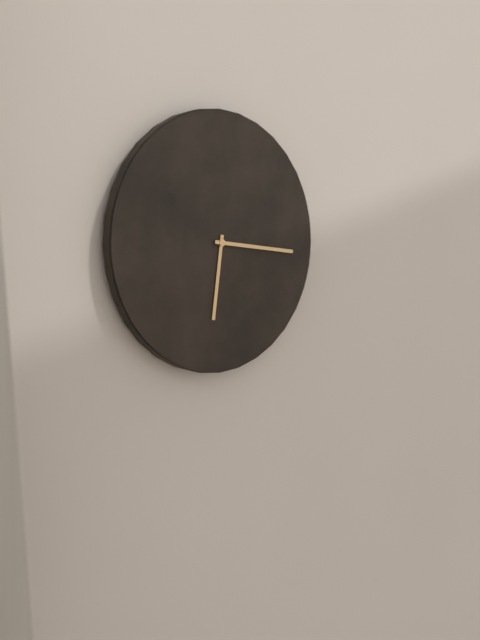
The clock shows **6:16**
